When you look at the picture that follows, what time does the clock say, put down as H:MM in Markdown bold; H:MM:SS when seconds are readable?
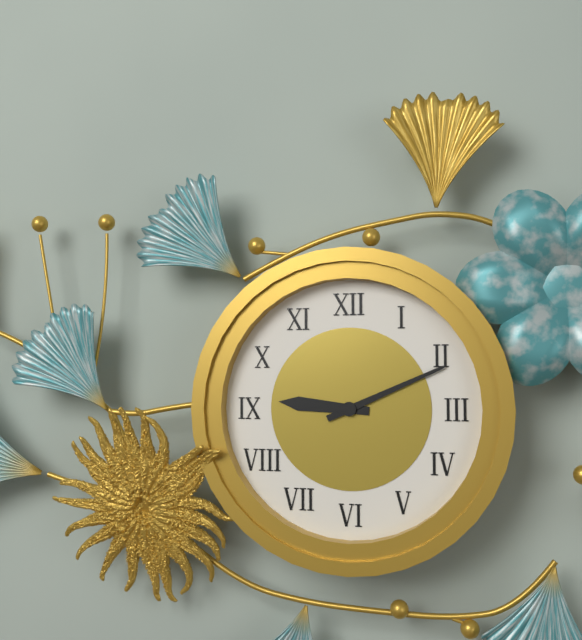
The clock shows **9:11**
